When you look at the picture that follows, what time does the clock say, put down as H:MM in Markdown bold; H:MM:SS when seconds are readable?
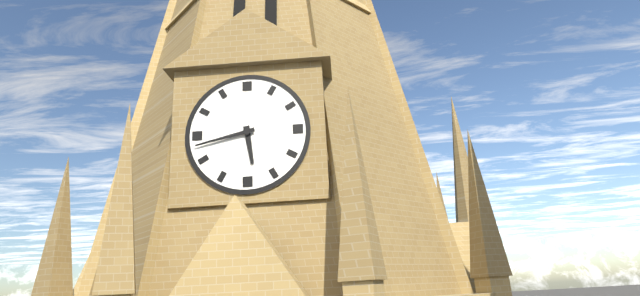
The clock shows **5:43**
